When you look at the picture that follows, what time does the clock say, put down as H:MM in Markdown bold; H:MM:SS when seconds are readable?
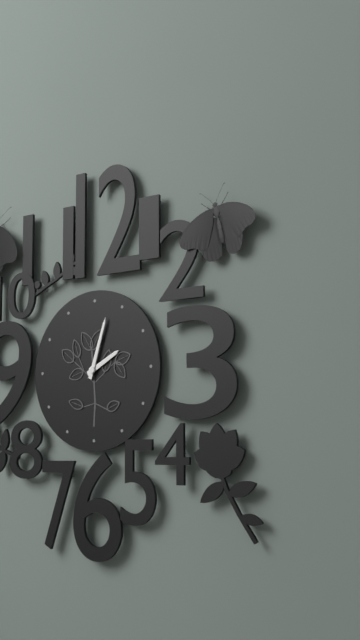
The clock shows **2:03**
